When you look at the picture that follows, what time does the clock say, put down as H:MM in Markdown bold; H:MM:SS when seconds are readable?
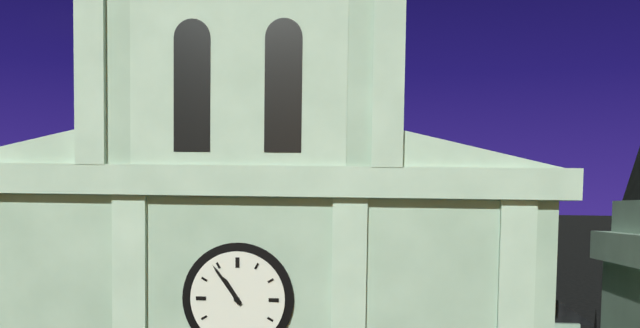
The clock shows **10:54**
